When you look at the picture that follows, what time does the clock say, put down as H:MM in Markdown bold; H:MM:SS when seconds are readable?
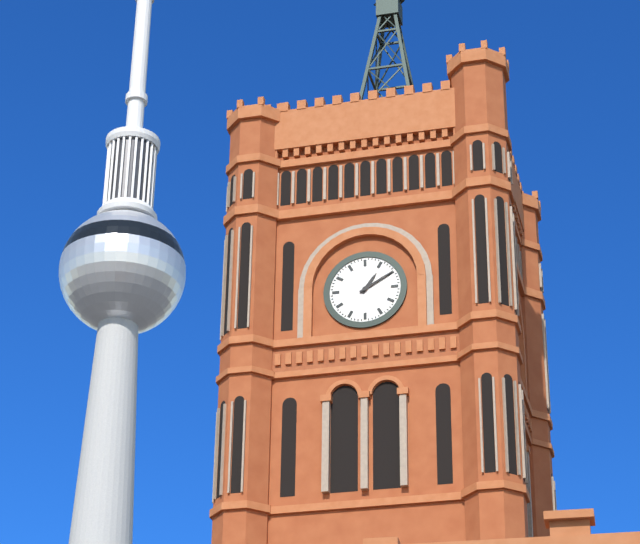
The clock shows **1:10**
